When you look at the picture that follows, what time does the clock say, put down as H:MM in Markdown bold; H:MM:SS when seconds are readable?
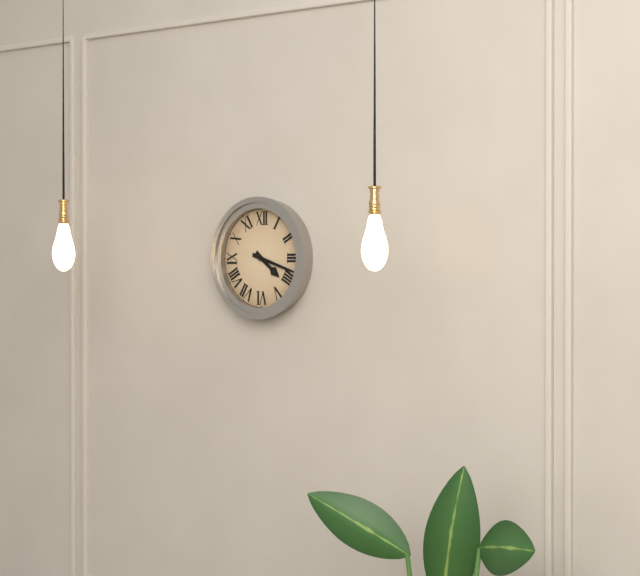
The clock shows **4:18**
